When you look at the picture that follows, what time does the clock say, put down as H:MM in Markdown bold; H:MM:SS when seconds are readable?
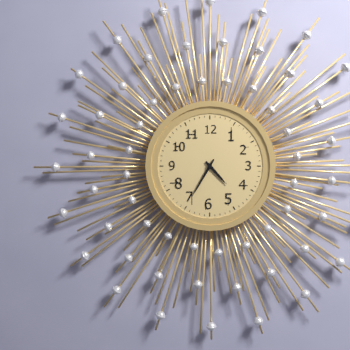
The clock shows **4:35**
